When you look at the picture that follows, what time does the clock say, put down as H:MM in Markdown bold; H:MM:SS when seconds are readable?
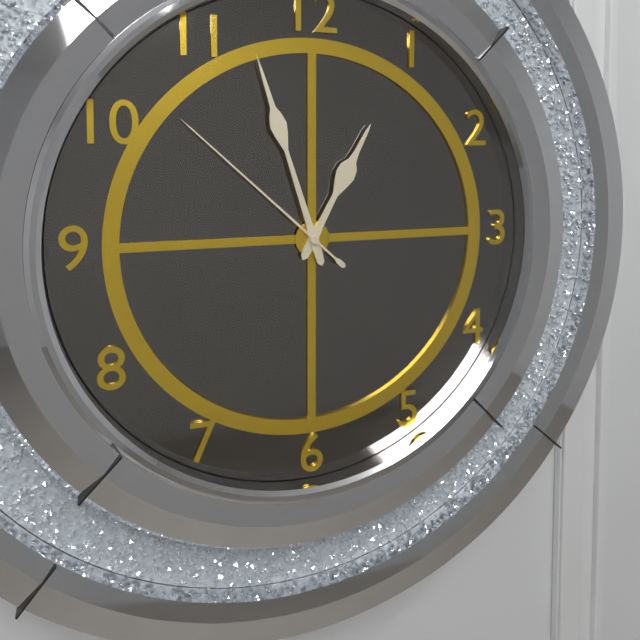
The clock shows **12:57:52**
